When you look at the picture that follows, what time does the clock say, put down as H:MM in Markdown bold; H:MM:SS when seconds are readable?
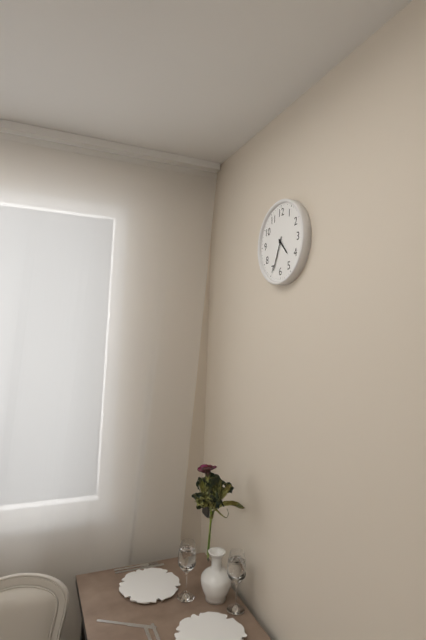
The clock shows **4:34**
